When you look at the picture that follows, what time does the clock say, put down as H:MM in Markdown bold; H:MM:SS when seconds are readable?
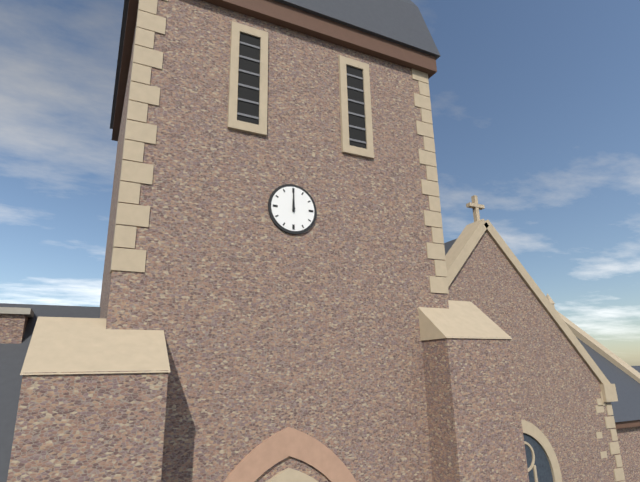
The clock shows **12:00**
